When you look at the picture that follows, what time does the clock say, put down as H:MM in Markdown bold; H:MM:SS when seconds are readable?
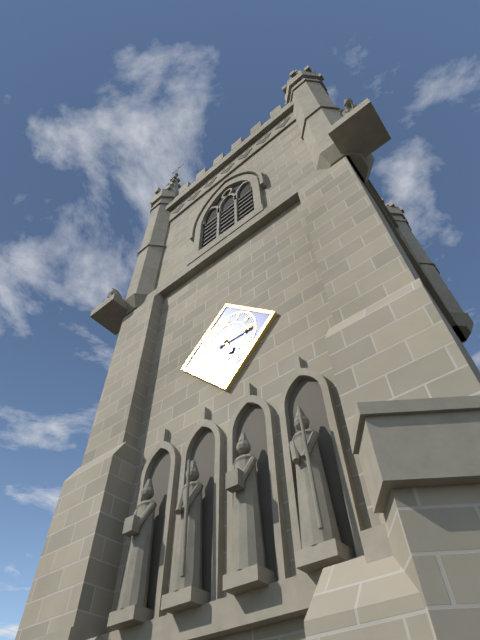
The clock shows **5:15**
